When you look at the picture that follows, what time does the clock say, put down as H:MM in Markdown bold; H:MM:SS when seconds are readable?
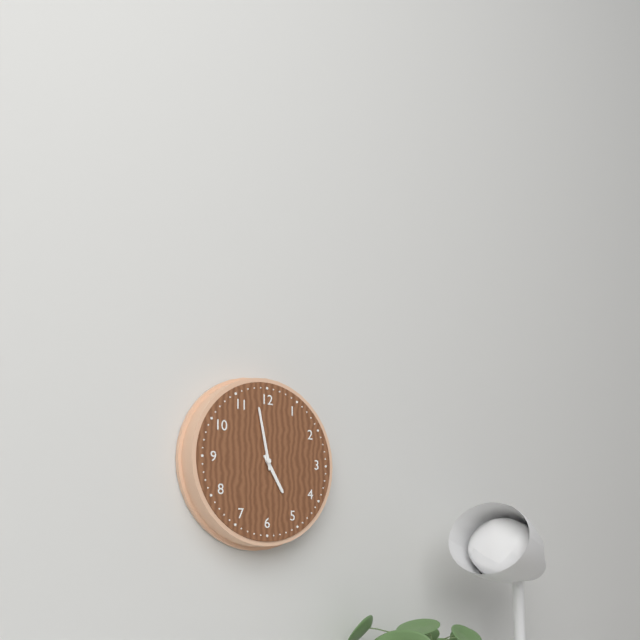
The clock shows **4:58**
